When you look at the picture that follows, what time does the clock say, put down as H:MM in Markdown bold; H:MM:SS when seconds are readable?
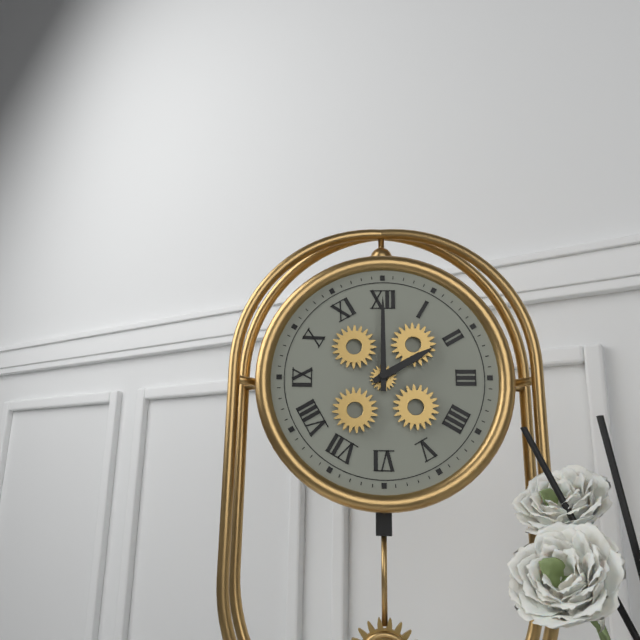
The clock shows **2:00**
